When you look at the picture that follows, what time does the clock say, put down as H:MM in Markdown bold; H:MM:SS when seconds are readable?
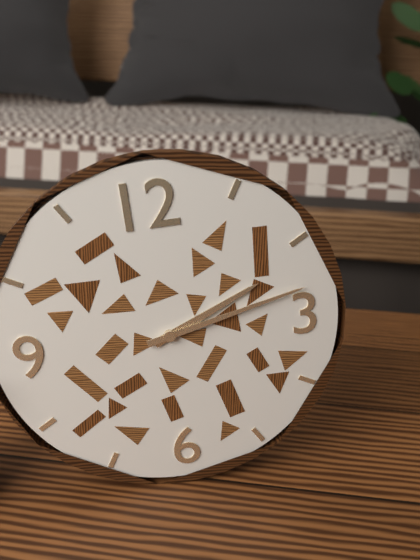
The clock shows **2:13**
